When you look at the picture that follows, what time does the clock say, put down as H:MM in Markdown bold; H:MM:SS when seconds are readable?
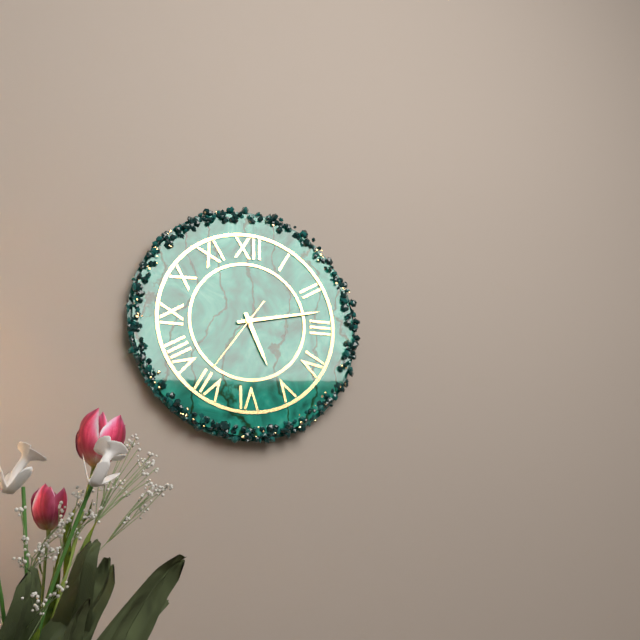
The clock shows **5:13:36**
